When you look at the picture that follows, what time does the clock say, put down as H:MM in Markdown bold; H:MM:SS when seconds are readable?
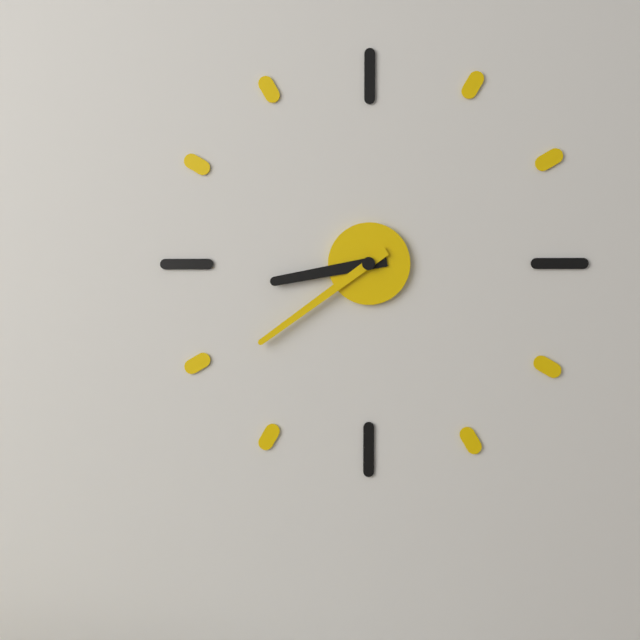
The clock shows **8:39**
